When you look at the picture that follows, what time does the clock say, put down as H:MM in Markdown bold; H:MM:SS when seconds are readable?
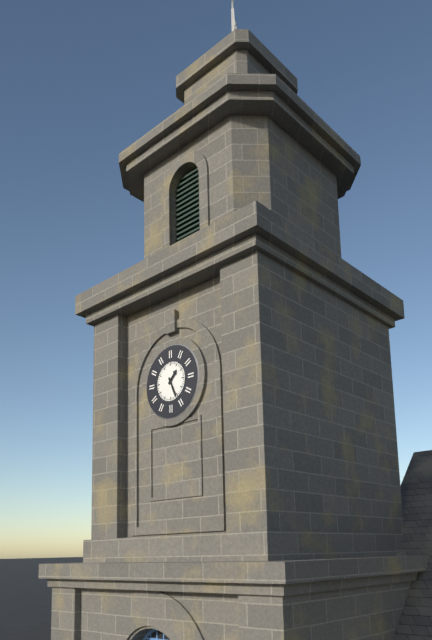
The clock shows **1:26**
